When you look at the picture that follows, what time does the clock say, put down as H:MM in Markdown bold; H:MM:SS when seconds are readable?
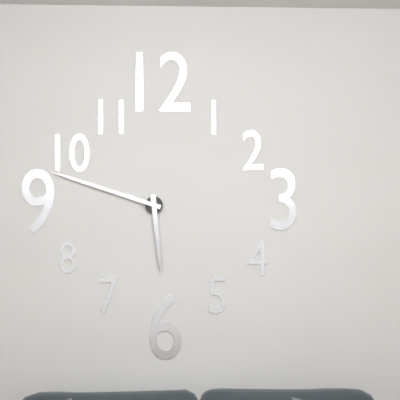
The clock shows **5:48**
